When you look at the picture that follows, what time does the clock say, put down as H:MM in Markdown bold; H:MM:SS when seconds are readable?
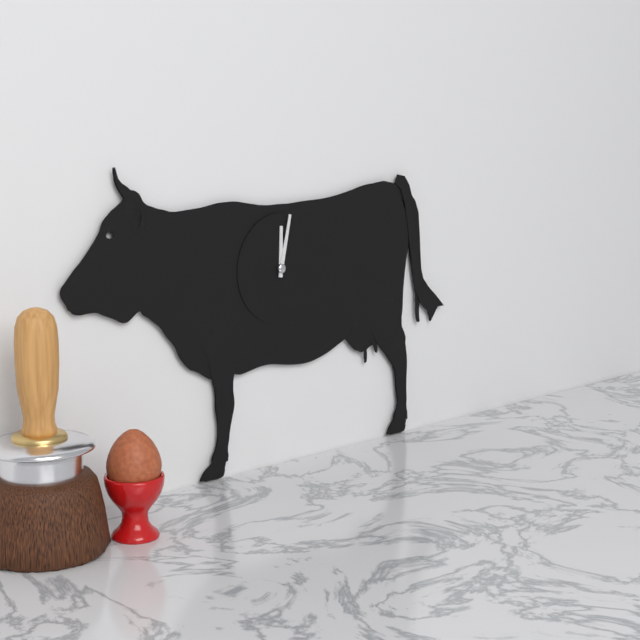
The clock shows **12:02**
